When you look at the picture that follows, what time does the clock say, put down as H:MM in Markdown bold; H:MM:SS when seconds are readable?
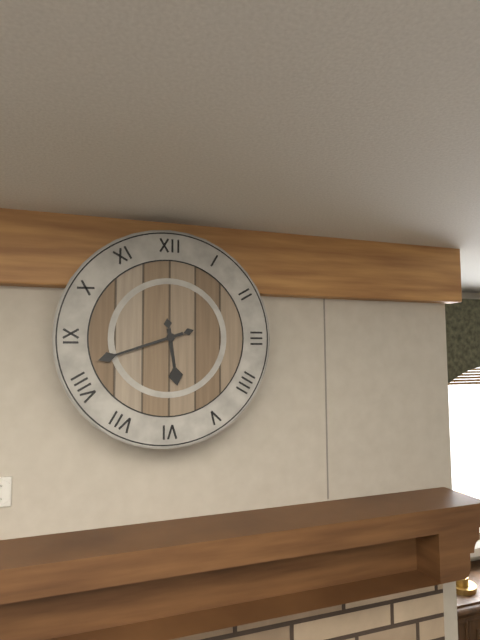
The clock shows **5:42**
